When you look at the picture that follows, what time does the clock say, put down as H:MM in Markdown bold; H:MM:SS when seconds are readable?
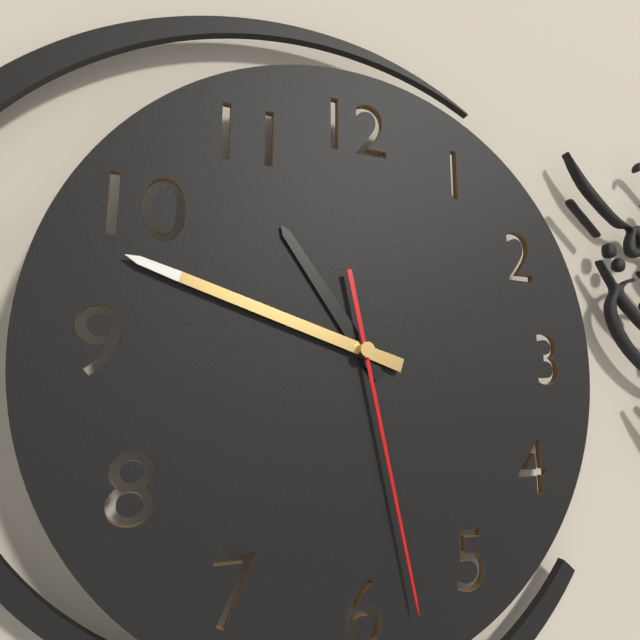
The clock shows **10:48:28**
